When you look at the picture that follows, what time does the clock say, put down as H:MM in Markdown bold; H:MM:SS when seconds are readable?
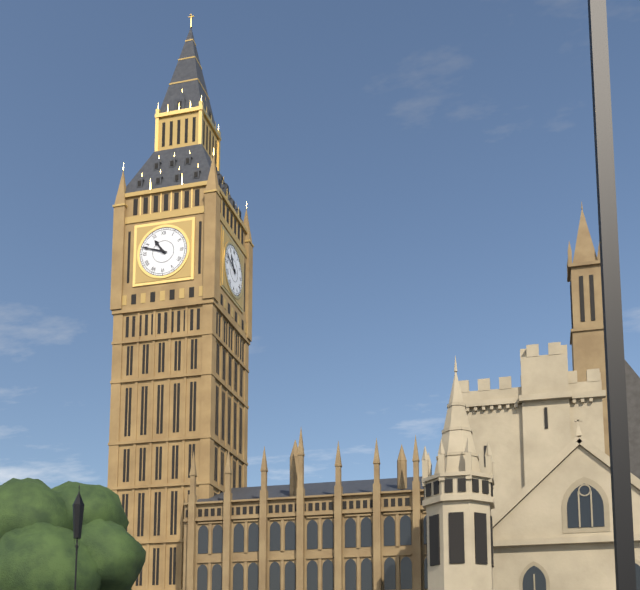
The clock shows **10:48**
